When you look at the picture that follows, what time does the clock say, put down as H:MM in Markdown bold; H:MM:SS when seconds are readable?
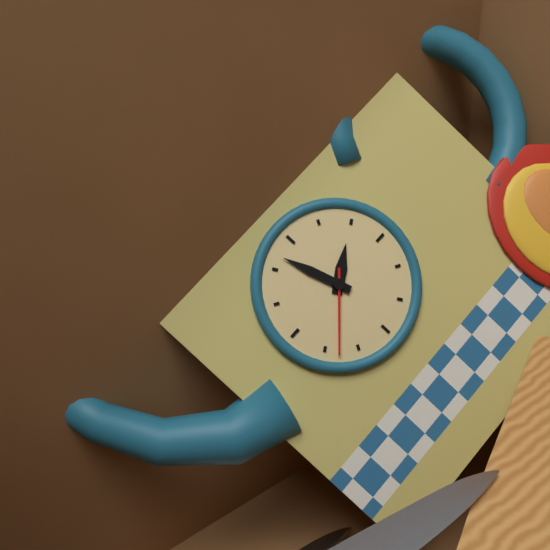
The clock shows **1:57:38**
